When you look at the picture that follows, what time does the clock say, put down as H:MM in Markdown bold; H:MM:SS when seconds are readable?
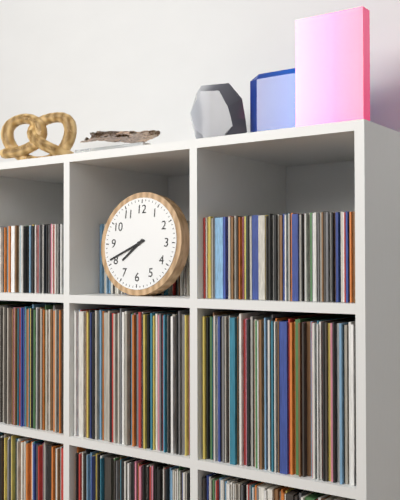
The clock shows **7:41**
